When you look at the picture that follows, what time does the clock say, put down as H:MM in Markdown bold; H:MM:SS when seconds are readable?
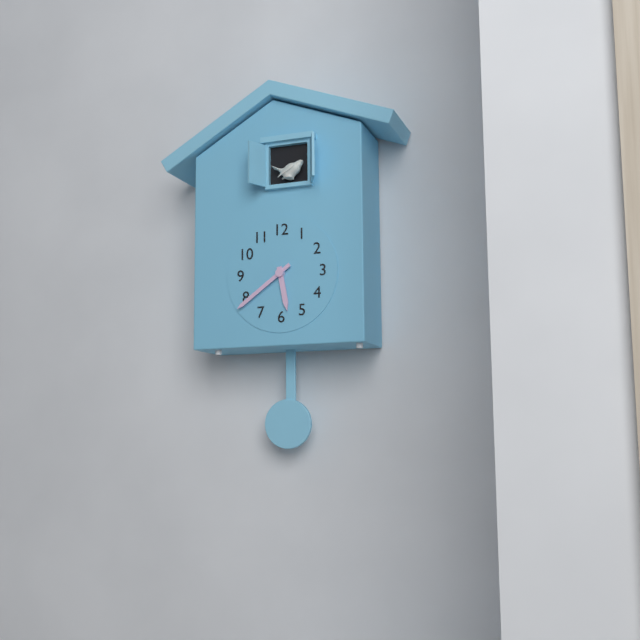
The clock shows **5:39**
